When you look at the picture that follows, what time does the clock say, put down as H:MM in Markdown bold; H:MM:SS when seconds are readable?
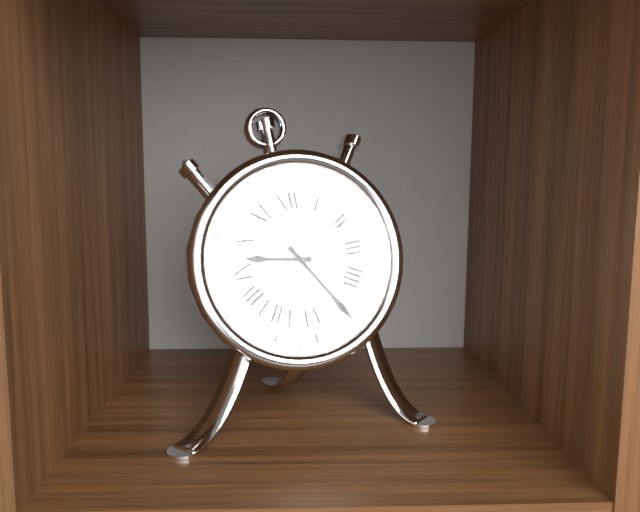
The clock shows **9:25**
